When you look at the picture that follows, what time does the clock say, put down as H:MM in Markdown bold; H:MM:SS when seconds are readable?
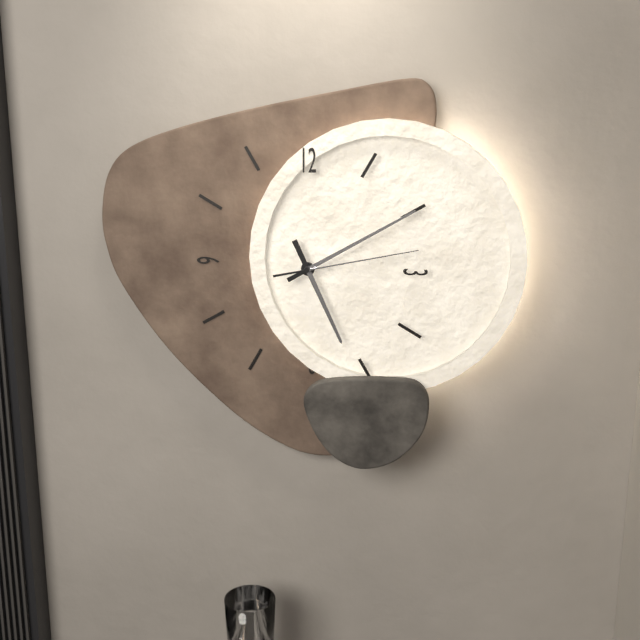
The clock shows **5:10:13**
